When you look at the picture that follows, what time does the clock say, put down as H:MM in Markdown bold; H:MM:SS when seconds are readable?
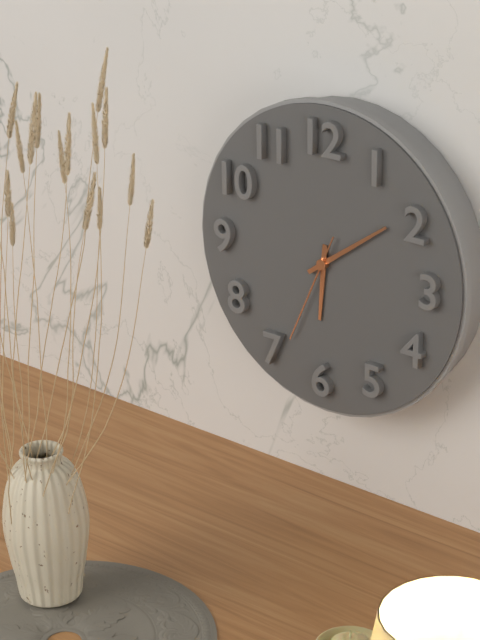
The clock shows **6:09:34**
